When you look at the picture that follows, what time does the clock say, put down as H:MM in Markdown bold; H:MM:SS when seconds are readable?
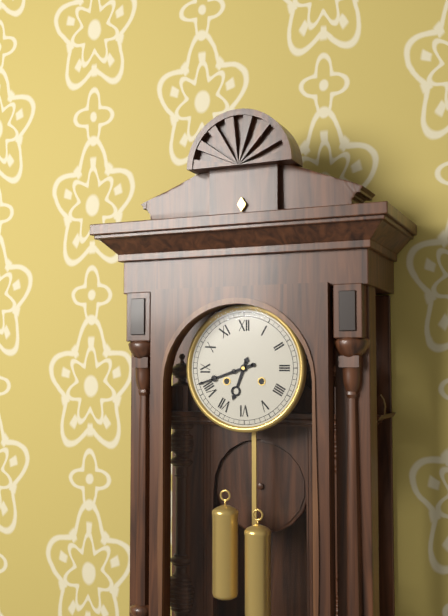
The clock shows **6:42**
